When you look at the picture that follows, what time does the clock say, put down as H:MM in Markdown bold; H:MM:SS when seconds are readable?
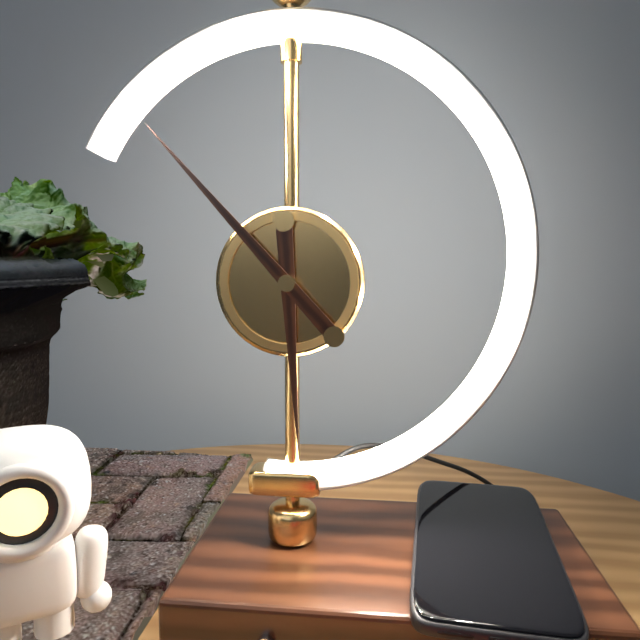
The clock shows **5:53**
